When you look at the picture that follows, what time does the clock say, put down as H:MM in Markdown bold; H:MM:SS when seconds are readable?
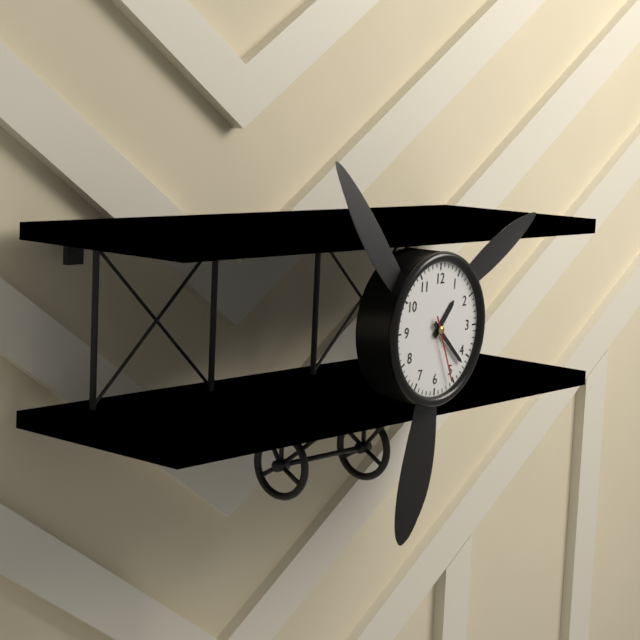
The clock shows **1:22:26**
